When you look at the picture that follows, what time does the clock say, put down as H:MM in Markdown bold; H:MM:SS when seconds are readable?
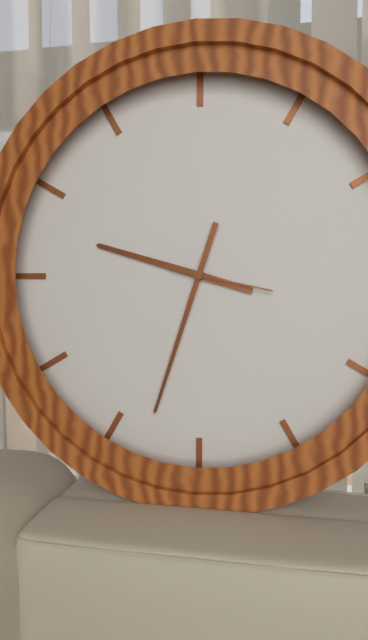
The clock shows **9:33:17**
